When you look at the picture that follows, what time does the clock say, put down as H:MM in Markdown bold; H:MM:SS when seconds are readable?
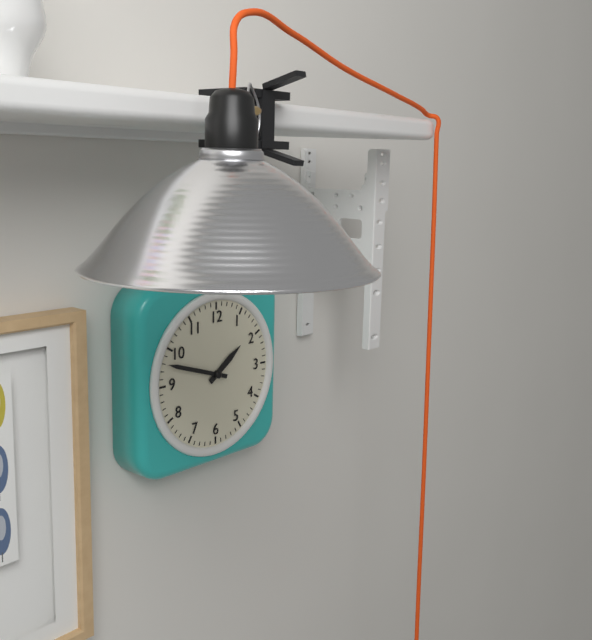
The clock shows **1:48**
